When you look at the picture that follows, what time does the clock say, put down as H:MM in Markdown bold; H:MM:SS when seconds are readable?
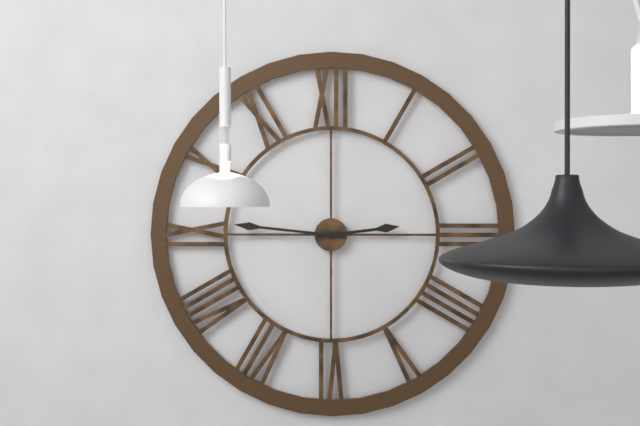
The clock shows **2:46**
